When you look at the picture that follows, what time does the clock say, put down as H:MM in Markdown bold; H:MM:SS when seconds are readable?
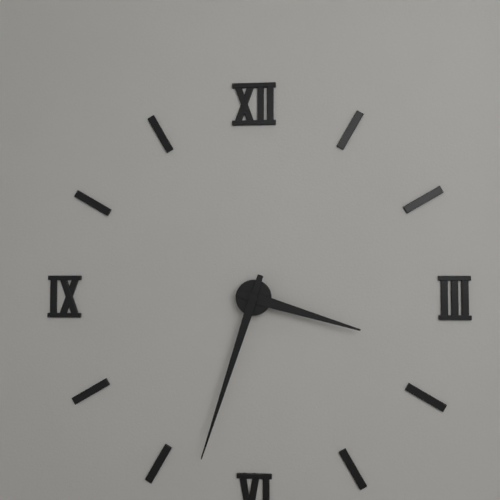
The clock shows **3:33**
